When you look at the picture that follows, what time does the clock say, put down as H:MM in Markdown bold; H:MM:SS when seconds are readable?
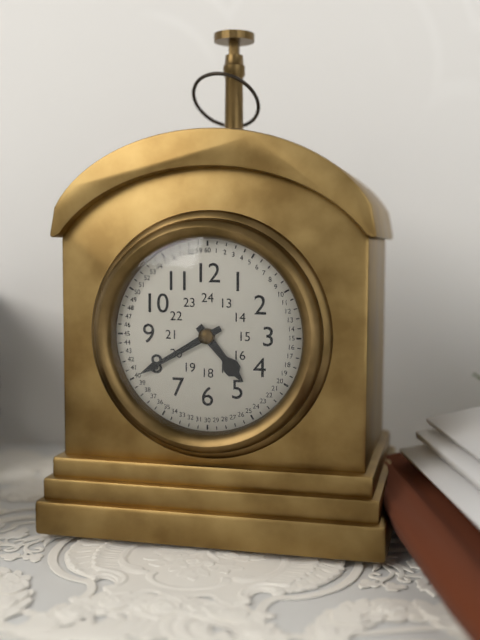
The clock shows **4:40**
